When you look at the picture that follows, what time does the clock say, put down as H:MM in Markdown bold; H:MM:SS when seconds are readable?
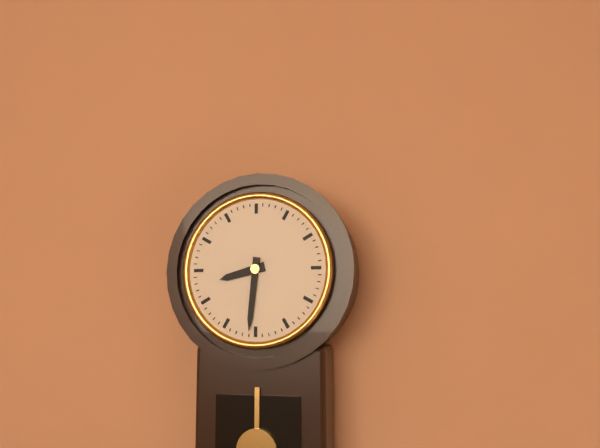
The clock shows **8:31**
